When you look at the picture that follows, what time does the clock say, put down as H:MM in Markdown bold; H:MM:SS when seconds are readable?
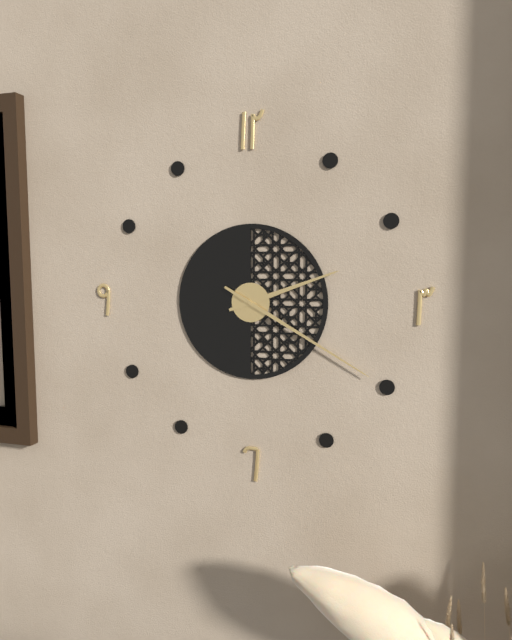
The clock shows **2:20**
